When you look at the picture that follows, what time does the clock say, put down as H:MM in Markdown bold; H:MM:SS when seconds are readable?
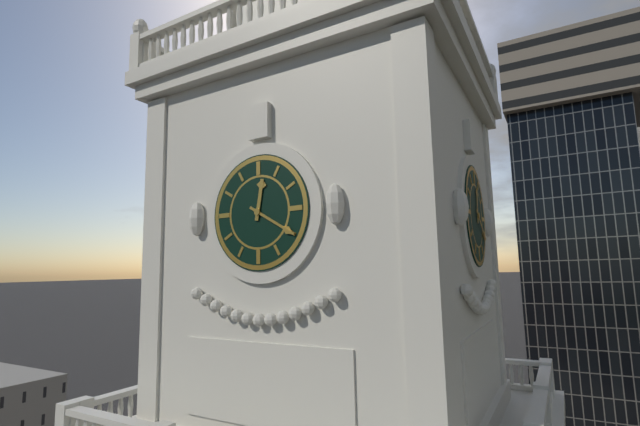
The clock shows **12:20**
